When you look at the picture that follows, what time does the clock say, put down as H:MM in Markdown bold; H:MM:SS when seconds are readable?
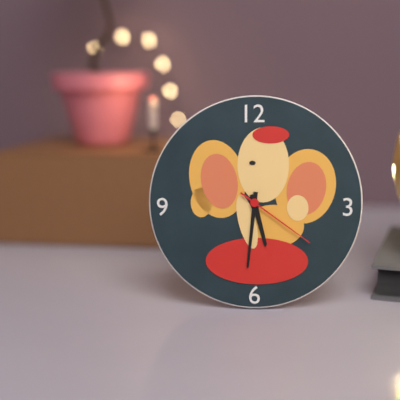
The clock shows **5:31:21**
